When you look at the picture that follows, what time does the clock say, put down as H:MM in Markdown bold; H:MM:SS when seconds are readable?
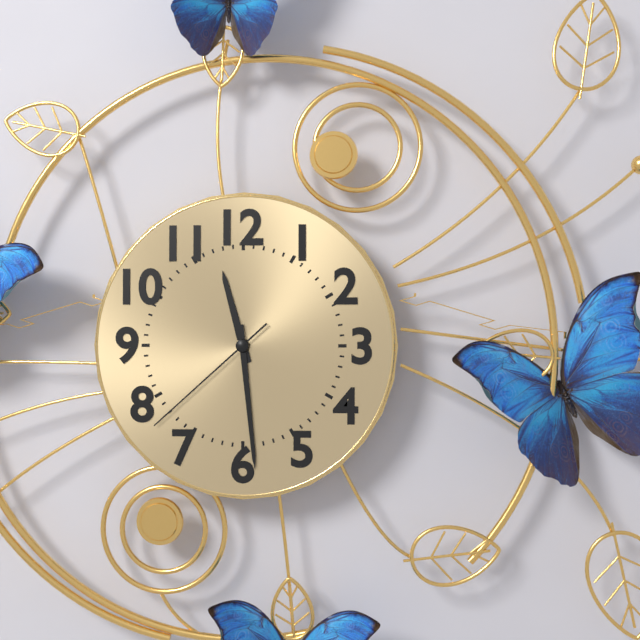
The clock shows **11:29:38**
